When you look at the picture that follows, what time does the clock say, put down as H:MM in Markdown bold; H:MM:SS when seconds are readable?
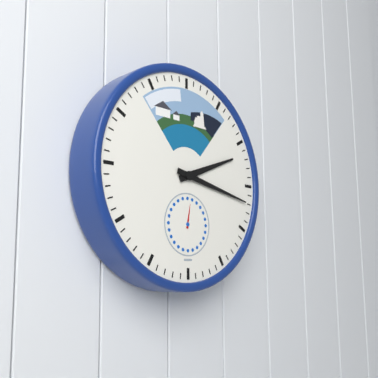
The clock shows **2:17**
